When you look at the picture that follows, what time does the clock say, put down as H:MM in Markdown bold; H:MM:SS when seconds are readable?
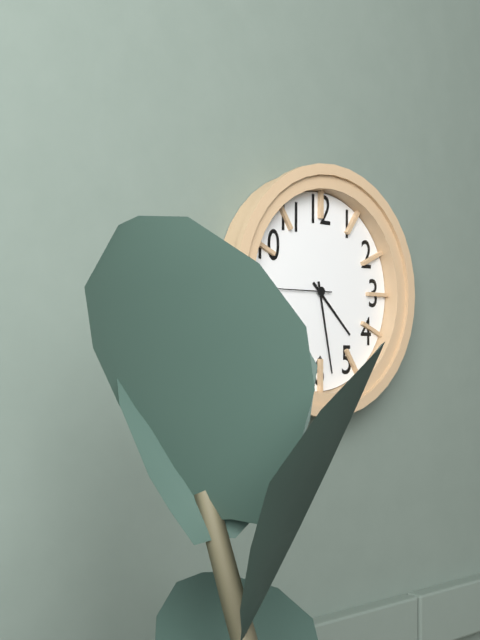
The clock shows **4:28**
